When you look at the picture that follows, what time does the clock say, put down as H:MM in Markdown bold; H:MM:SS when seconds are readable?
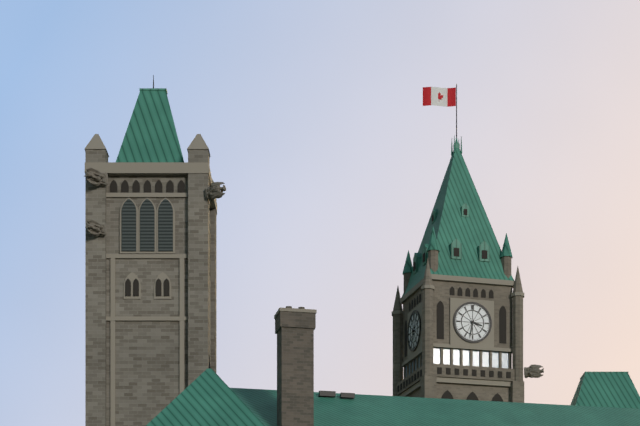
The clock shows **3:32**
